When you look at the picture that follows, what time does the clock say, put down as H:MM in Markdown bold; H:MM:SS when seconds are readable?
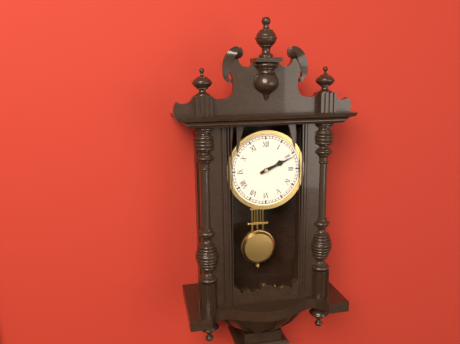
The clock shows **2:11**
